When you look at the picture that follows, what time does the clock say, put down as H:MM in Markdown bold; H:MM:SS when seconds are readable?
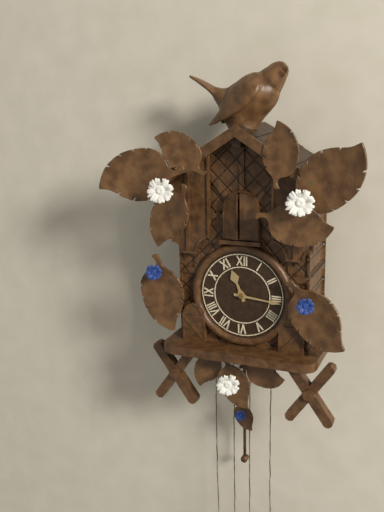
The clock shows **11:16**
